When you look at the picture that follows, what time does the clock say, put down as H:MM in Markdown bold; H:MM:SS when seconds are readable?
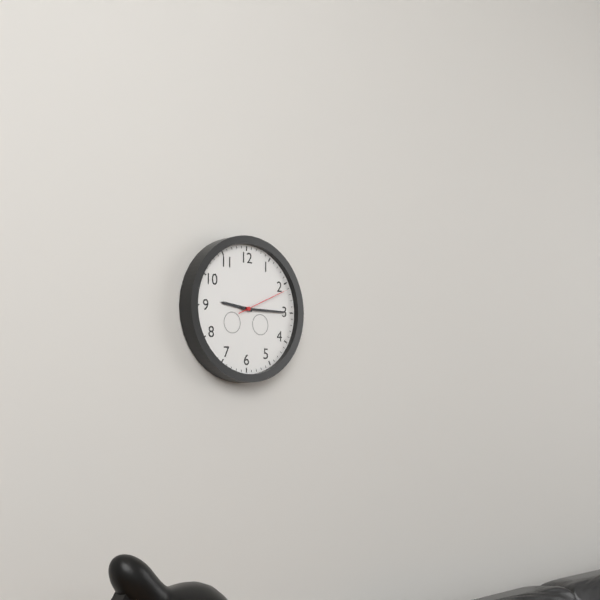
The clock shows **9:15:11**
